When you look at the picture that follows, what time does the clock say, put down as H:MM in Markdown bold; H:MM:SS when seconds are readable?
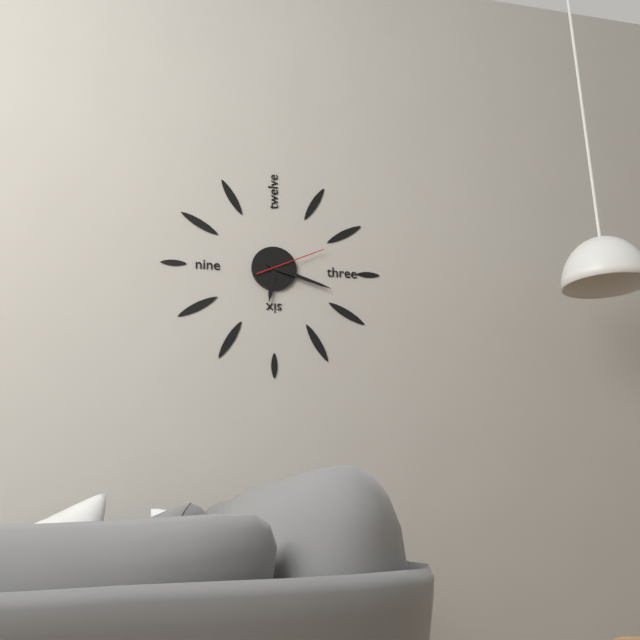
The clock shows **6:18:11**
